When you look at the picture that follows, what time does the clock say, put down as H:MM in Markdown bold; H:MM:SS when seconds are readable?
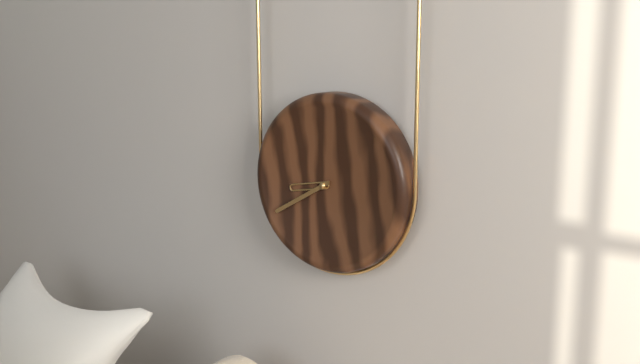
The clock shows **8:40**
